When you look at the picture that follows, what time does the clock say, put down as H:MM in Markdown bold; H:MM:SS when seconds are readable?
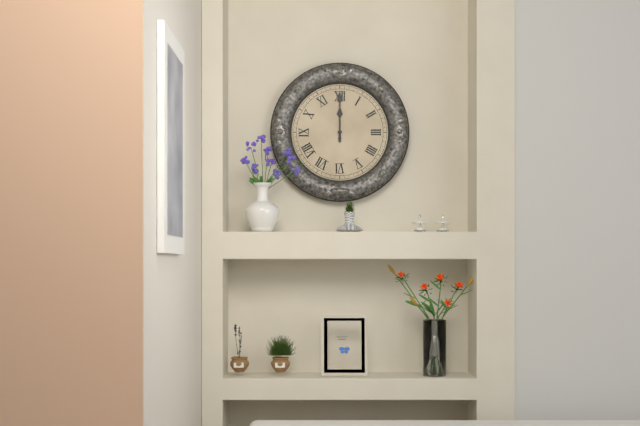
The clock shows **12:00**
